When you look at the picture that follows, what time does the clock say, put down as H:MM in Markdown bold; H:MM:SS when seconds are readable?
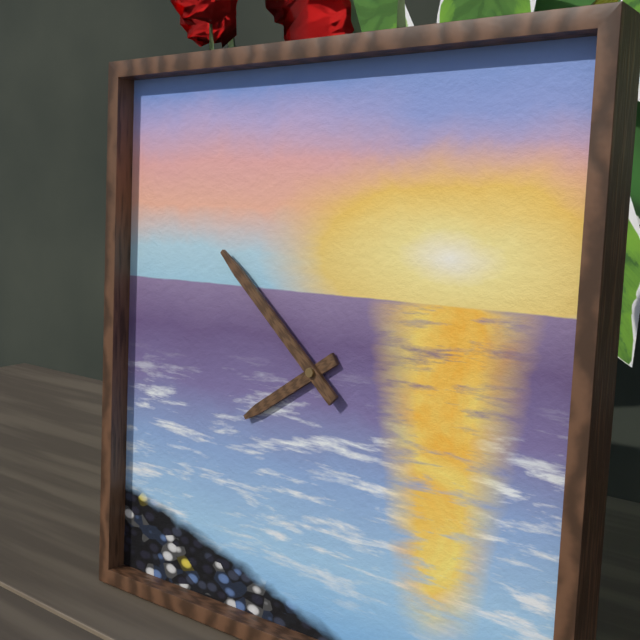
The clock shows **7:52**
